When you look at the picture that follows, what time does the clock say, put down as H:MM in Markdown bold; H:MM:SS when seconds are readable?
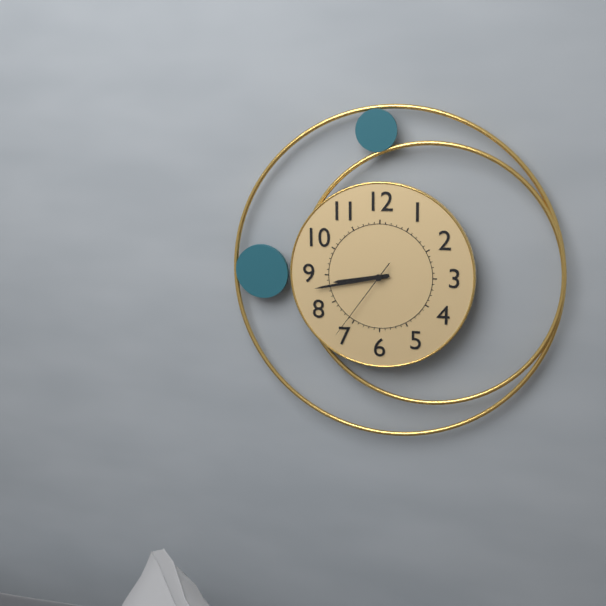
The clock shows **8:43:36**
